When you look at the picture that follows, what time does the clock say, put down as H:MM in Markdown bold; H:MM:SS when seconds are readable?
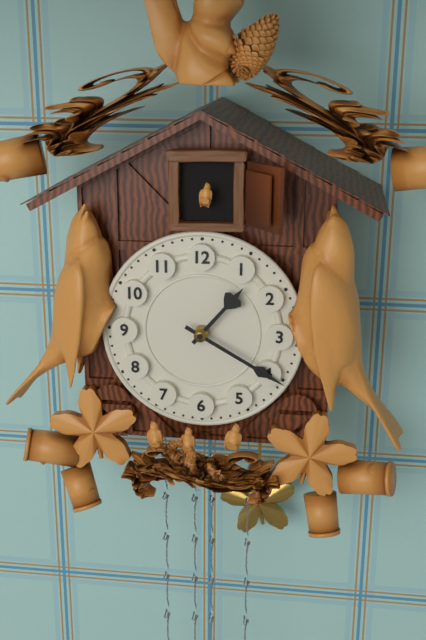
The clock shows **1:20**
